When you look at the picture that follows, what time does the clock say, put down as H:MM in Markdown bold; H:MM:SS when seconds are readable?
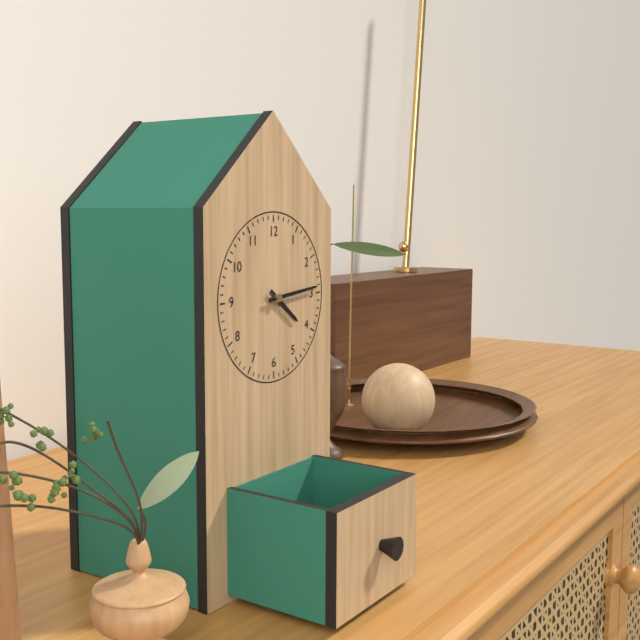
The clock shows **4:14**
